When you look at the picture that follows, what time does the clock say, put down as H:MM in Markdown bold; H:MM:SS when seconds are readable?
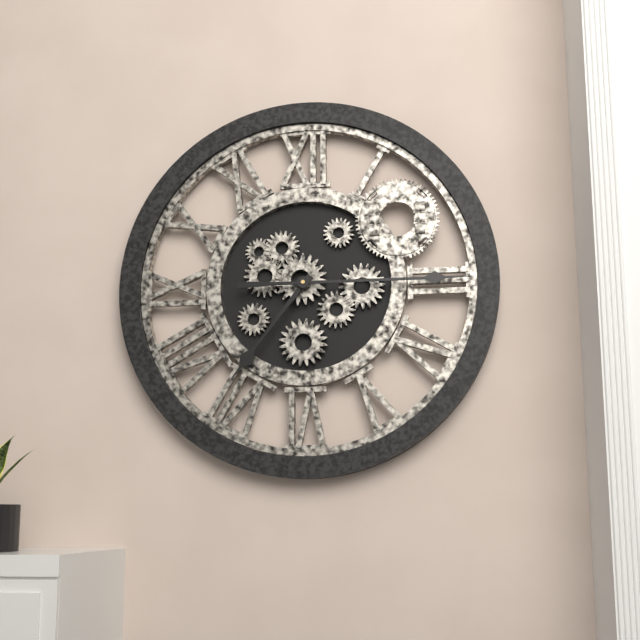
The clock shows **7:15**
